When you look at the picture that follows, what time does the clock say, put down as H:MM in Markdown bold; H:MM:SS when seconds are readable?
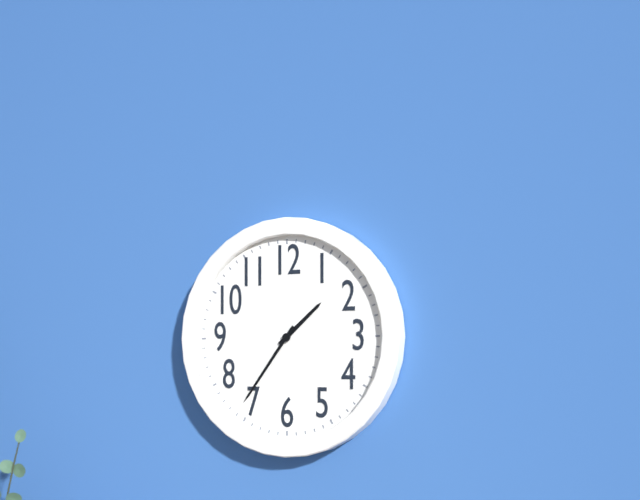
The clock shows **1:36**
